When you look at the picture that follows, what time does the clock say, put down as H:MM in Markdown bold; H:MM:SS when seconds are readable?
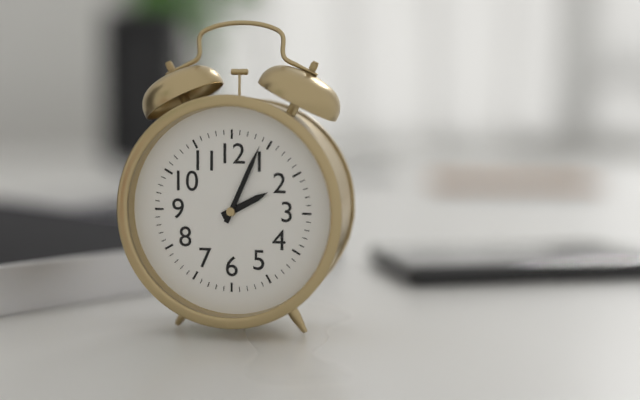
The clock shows **2:04**
